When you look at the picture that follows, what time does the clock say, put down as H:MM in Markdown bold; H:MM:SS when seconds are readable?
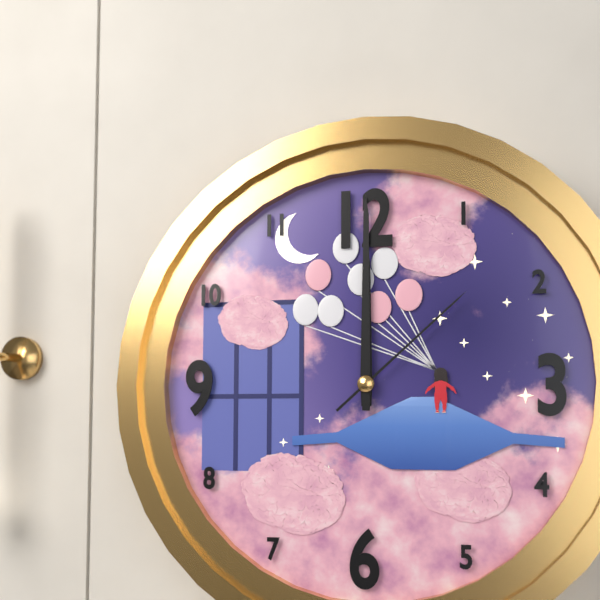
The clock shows **12:00:08**
